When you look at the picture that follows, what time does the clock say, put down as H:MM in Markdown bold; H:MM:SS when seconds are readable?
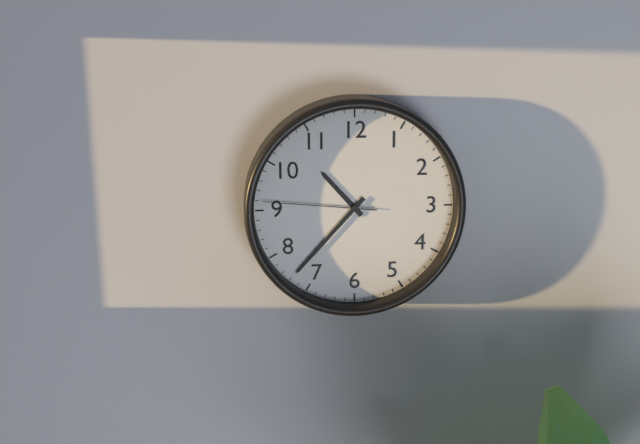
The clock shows **10:37:46**
